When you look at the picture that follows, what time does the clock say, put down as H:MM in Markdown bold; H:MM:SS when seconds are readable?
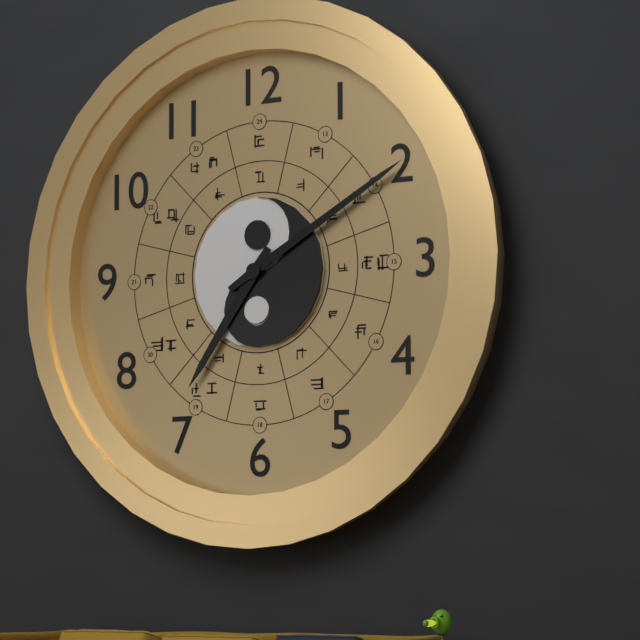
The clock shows **7:10**
